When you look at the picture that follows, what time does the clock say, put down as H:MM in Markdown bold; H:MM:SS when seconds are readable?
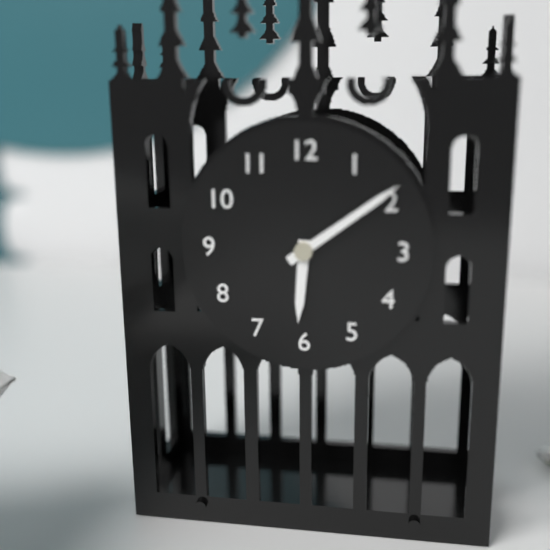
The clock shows **6:09**
